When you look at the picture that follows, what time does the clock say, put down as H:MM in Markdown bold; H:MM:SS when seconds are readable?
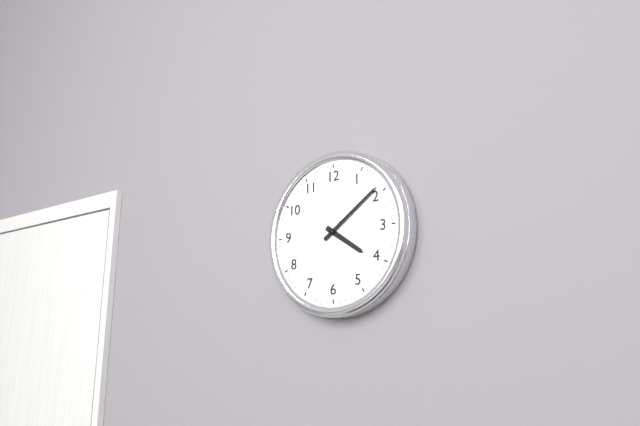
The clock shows **4:09**
